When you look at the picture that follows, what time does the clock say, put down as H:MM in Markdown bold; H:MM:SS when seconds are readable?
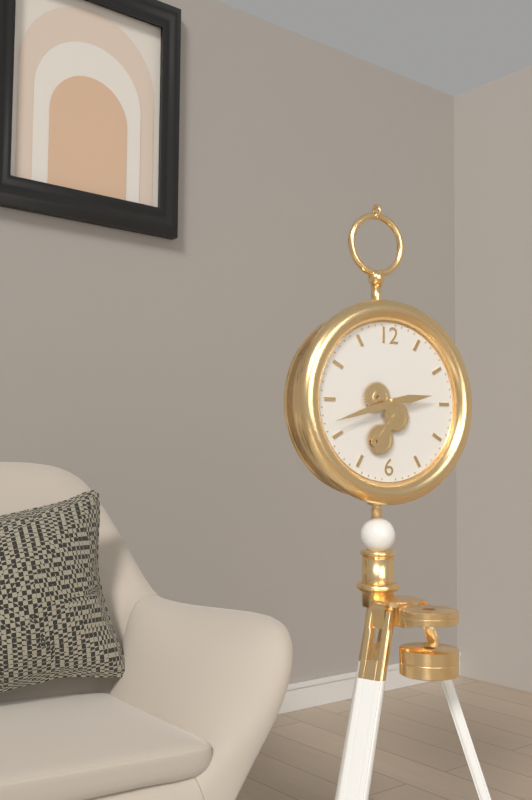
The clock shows **2:42**
